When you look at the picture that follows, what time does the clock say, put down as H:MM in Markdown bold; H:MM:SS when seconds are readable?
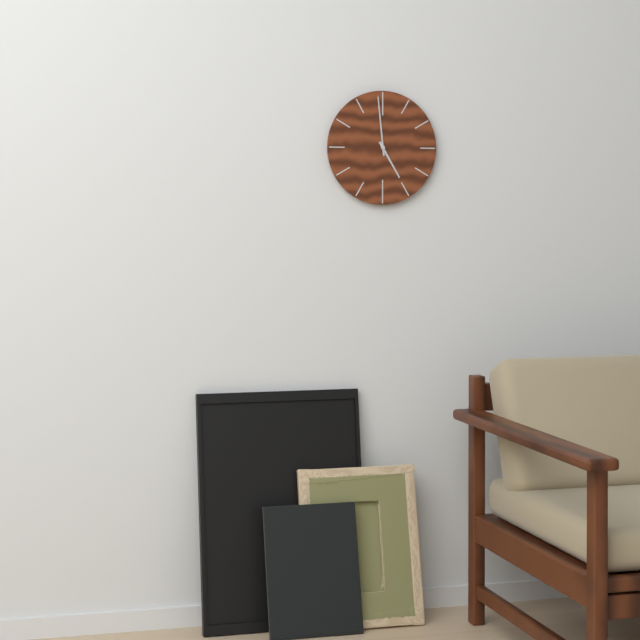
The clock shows **4:59**
